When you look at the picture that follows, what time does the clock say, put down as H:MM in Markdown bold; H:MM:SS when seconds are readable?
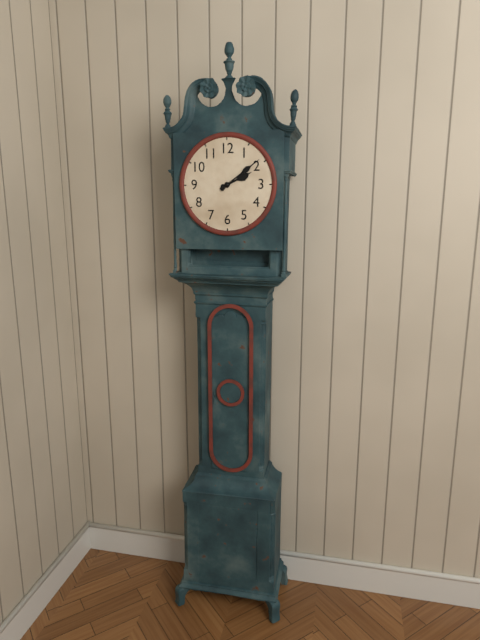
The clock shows **2:09**
